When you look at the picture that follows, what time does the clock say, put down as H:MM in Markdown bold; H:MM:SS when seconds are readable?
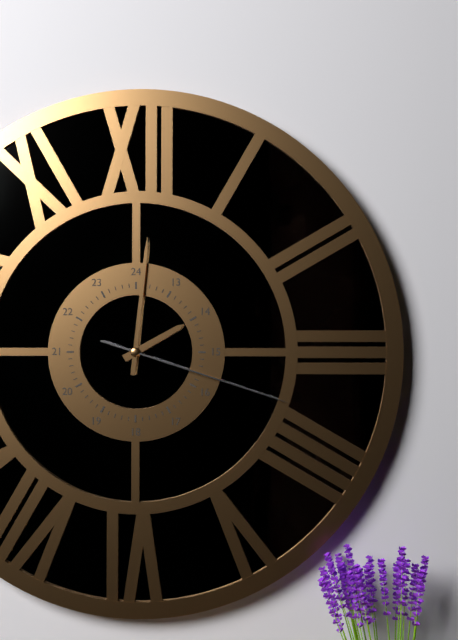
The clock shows **2:01:18**
